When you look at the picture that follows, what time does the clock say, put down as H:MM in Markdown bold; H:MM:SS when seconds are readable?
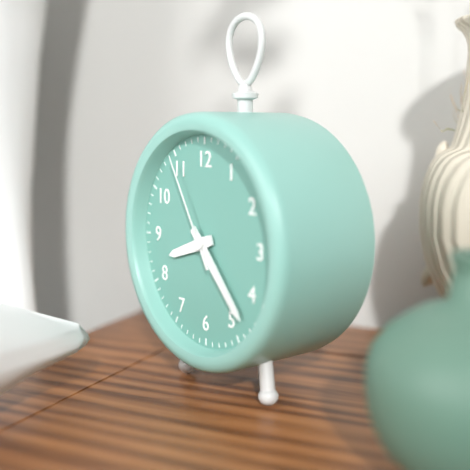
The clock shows **8:23:55**
